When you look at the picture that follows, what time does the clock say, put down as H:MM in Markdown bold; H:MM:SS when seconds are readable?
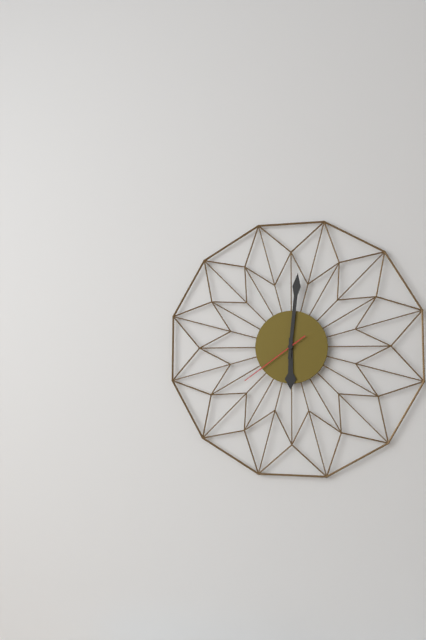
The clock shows **6:01:39**
